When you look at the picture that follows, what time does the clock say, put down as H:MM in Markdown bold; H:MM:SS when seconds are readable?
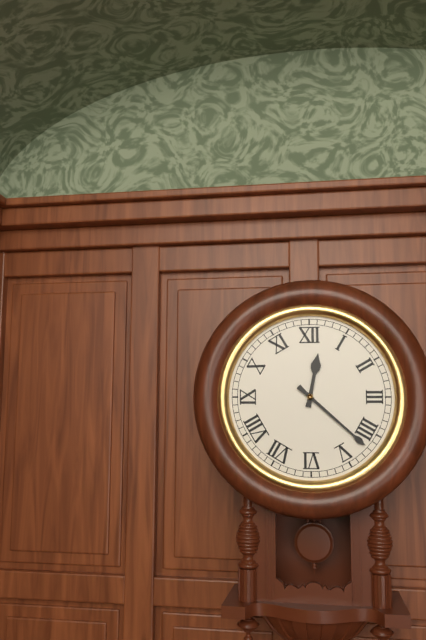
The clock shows **12:22**
